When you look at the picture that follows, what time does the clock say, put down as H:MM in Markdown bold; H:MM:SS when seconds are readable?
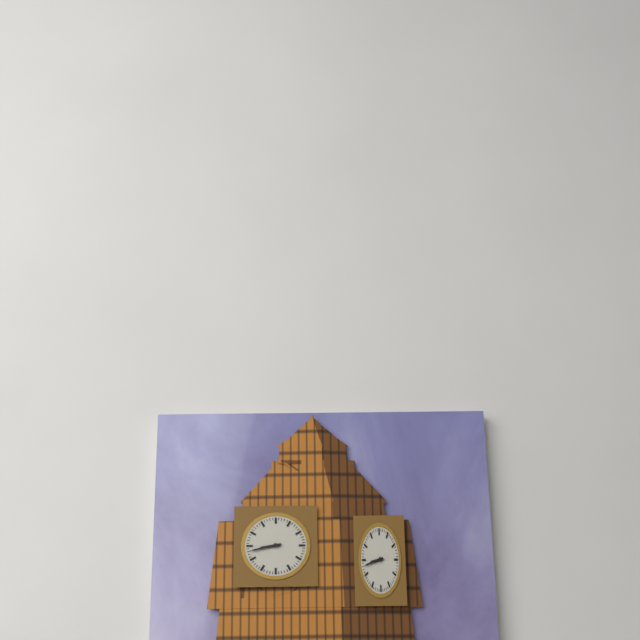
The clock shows **8:43**
